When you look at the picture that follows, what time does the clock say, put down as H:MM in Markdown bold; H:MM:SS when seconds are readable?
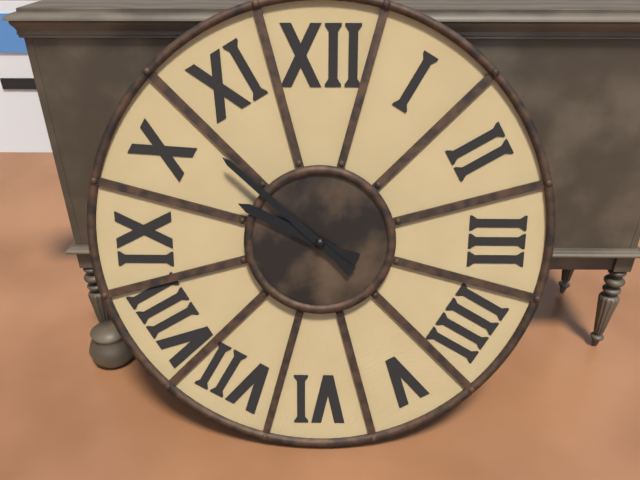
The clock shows **9:52**
